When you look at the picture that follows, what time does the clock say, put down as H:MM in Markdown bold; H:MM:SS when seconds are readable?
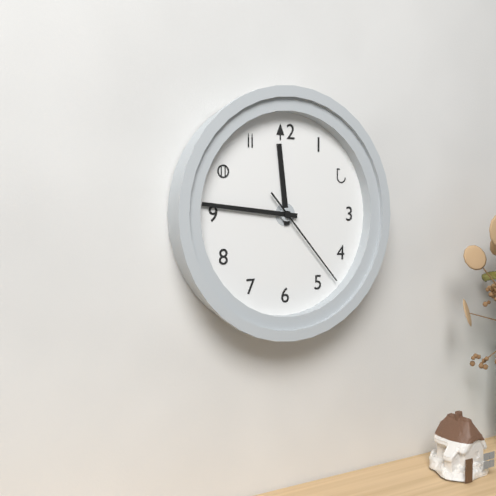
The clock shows **11:46:23**
